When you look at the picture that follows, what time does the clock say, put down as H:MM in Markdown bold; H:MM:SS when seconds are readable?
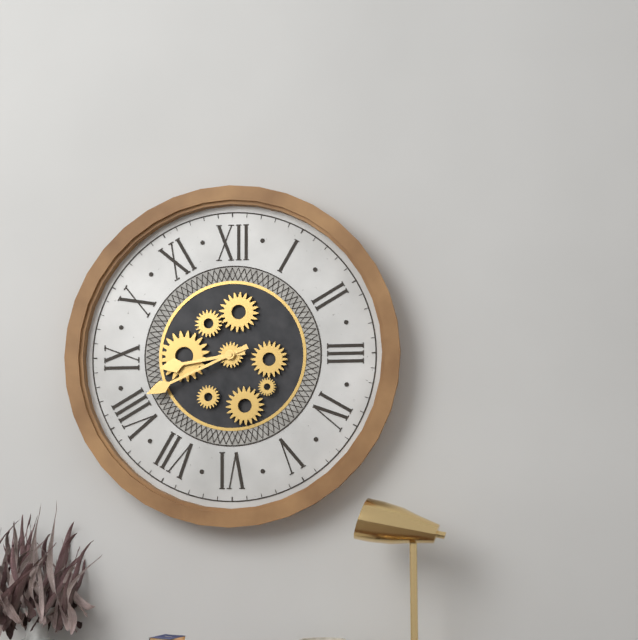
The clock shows **8:41**
